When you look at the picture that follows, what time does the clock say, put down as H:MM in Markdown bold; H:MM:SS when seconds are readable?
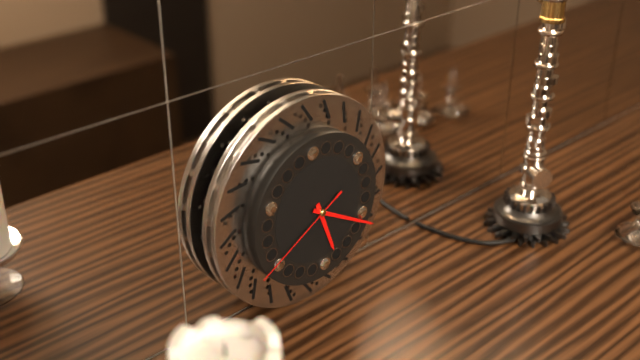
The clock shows **5:20:40**
